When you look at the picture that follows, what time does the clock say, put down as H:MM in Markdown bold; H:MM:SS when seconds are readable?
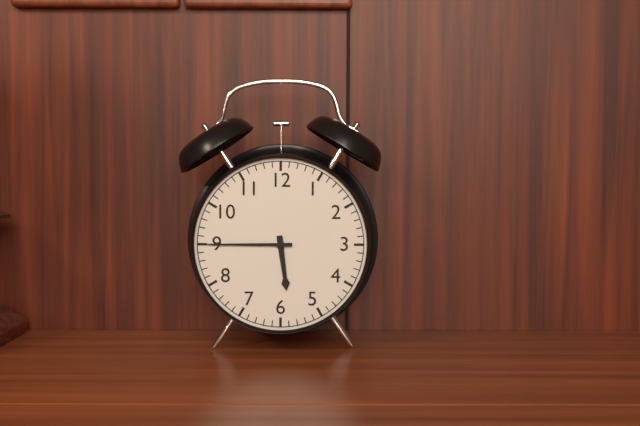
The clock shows **5:45**
